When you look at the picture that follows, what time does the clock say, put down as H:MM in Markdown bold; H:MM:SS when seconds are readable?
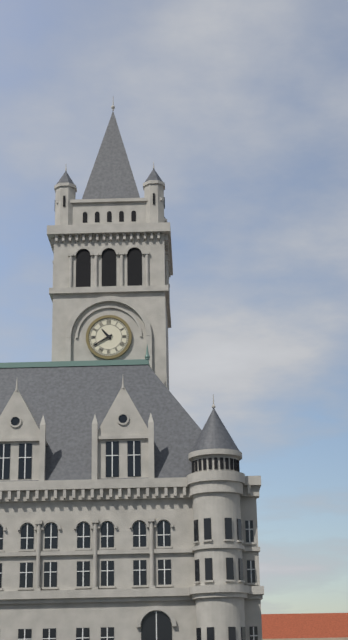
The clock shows **10:40**
